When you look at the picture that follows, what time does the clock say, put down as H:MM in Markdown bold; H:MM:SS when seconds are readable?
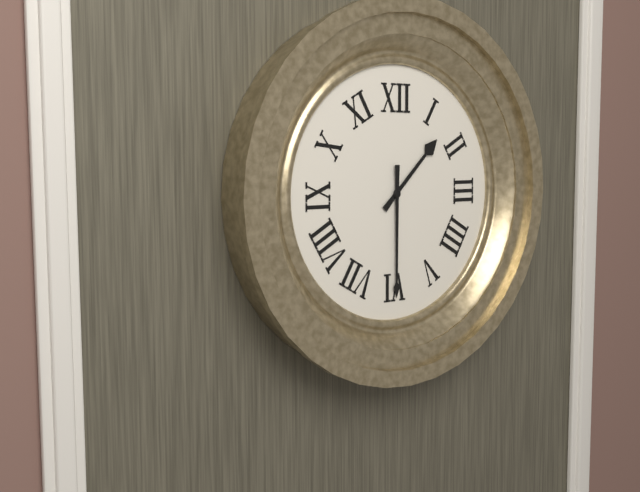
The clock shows **1:30**
